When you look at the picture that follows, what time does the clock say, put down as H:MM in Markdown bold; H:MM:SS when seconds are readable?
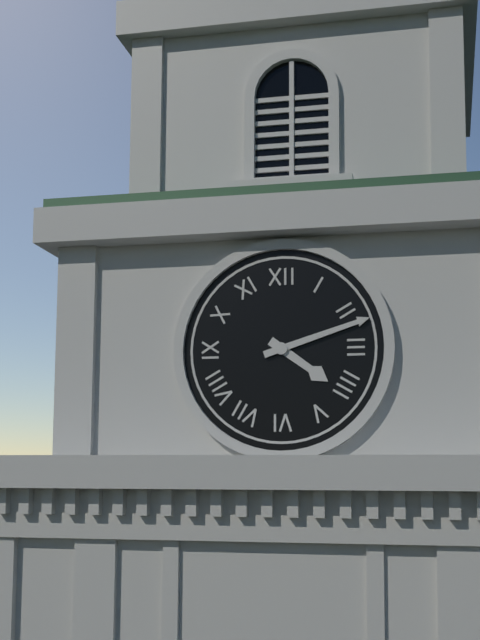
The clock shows **4:12**
